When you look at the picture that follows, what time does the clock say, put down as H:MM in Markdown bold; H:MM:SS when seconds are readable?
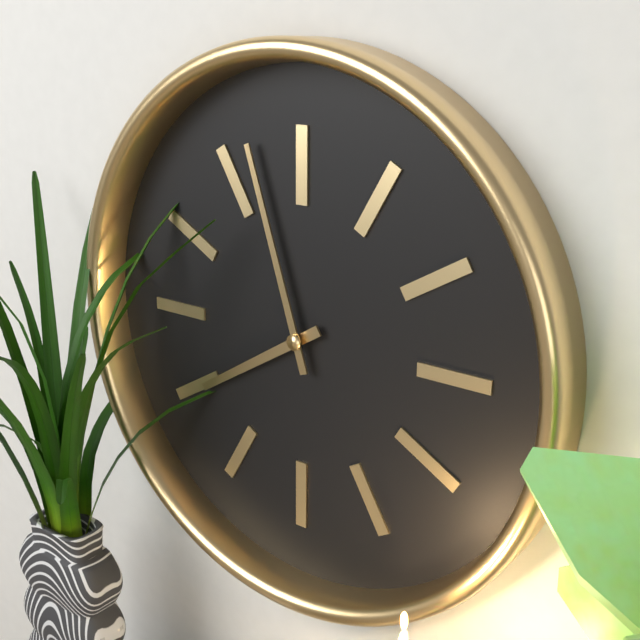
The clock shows **7:57**
